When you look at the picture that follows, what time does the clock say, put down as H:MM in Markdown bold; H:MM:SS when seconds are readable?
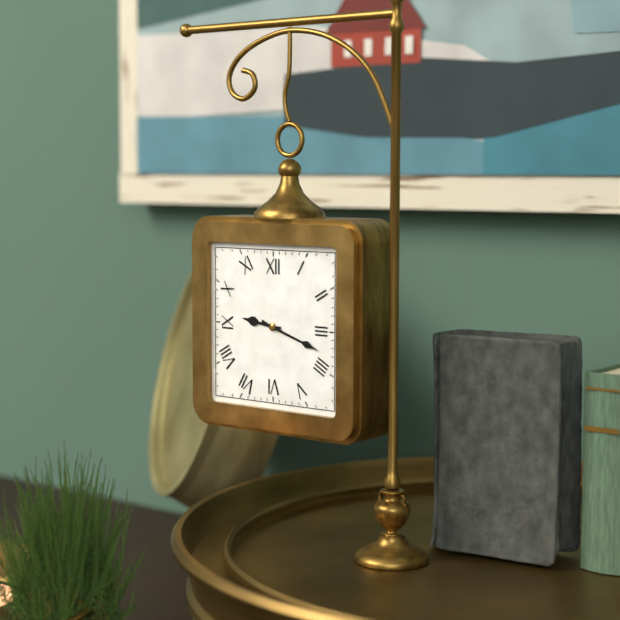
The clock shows **9:18**
